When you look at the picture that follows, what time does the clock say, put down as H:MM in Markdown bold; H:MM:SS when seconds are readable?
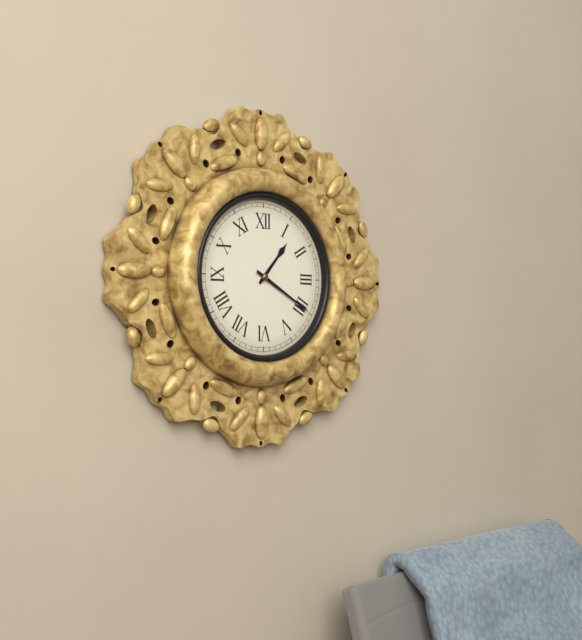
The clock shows **1:20**
